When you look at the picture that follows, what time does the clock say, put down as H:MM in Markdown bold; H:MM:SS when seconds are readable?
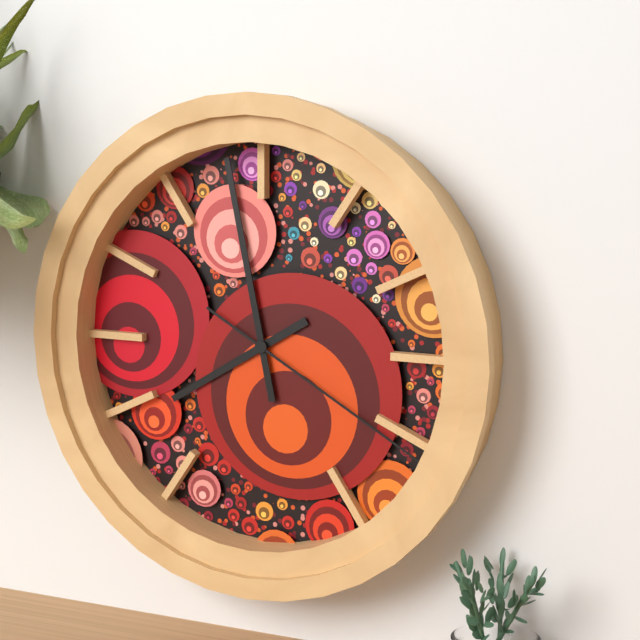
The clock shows **7:58:20**
